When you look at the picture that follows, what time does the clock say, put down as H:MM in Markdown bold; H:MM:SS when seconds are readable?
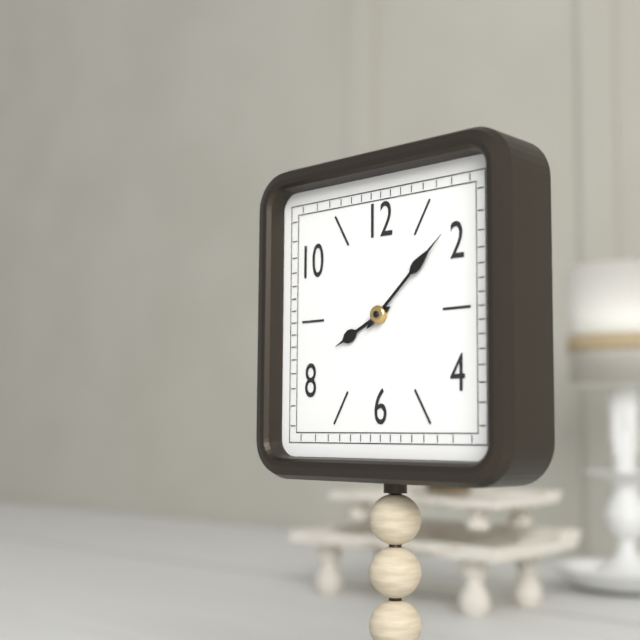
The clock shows **8:08**
